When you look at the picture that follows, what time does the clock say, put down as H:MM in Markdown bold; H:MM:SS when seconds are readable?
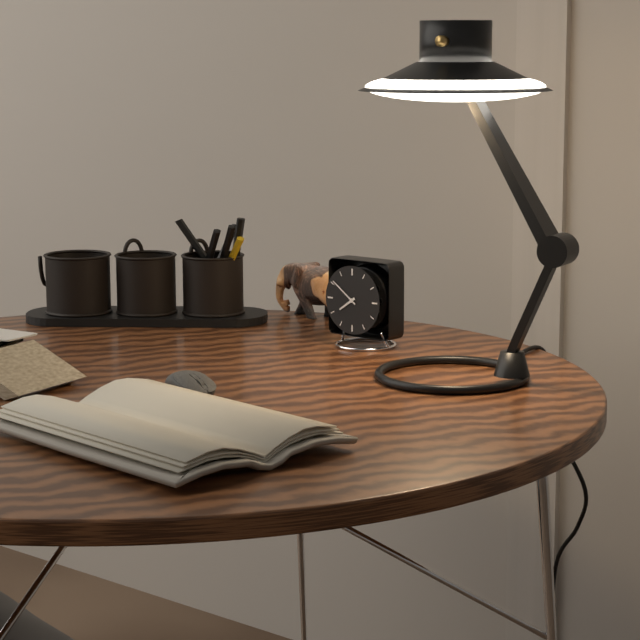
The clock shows **7:51**
